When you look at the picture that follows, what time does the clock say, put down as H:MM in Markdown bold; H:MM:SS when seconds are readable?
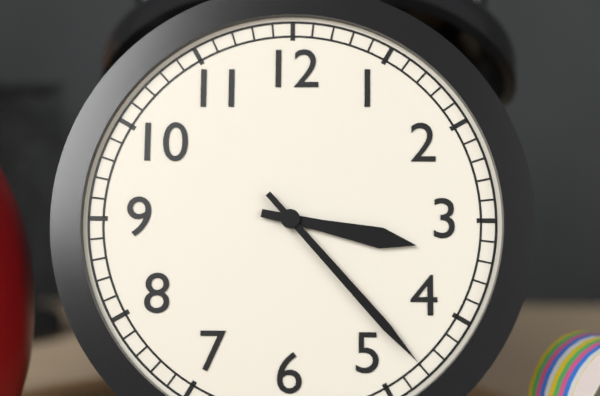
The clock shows **3:23**
